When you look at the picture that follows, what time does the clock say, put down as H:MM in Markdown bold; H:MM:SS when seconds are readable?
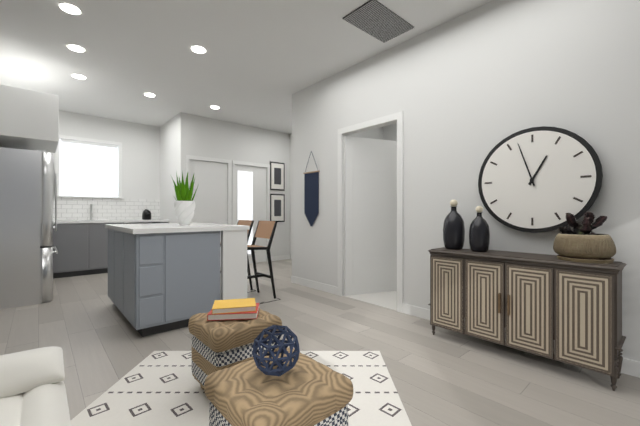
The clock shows **12:57**
